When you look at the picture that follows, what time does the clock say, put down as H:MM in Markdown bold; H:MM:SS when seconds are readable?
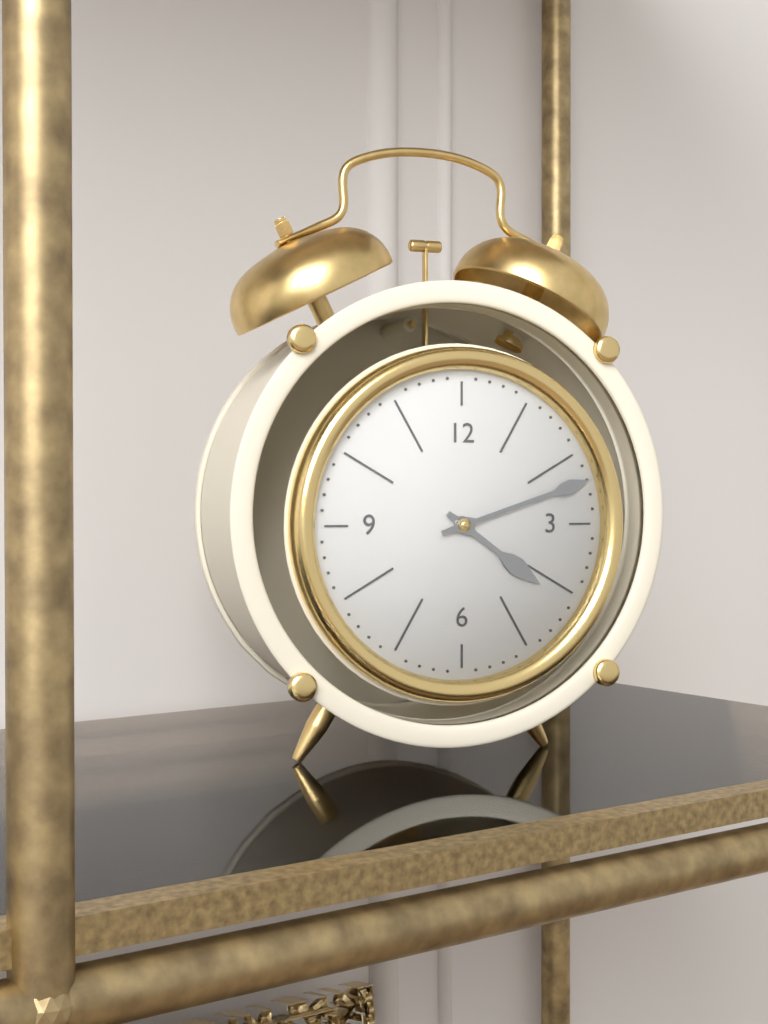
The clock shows **4:12**
